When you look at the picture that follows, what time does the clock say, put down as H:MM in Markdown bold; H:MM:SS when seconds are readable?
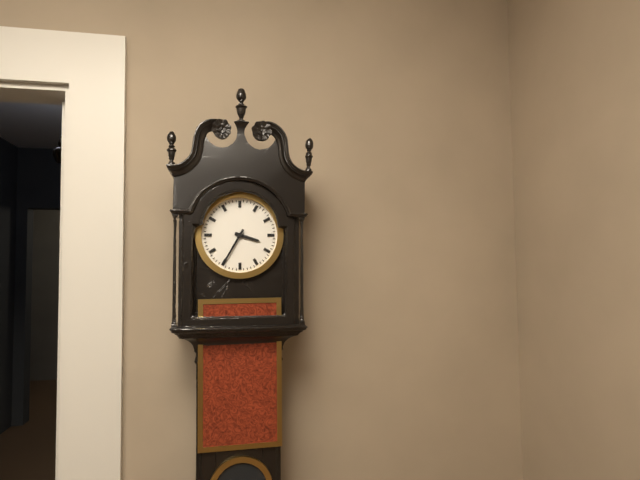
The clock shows **3:35**
